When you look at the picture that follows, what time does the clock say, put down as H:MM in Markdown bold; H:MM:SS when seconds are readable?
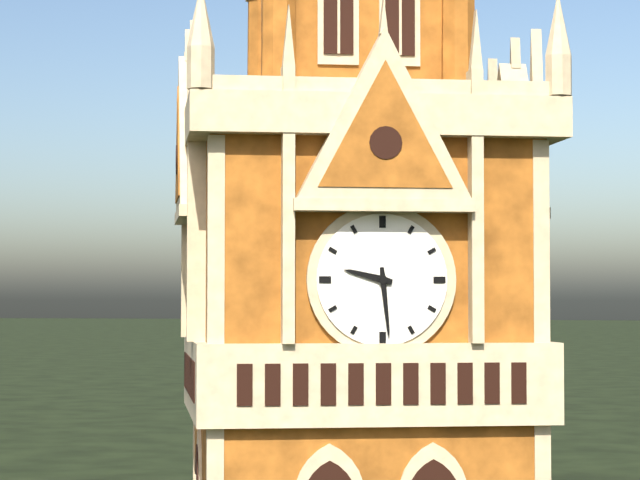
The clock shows **9:29**
